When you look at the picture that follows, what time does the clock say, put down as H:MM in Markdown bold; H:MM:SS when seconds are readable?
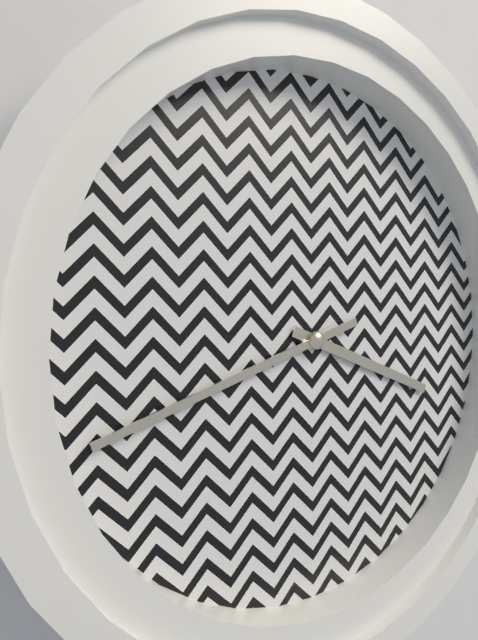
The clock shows **3:42**
